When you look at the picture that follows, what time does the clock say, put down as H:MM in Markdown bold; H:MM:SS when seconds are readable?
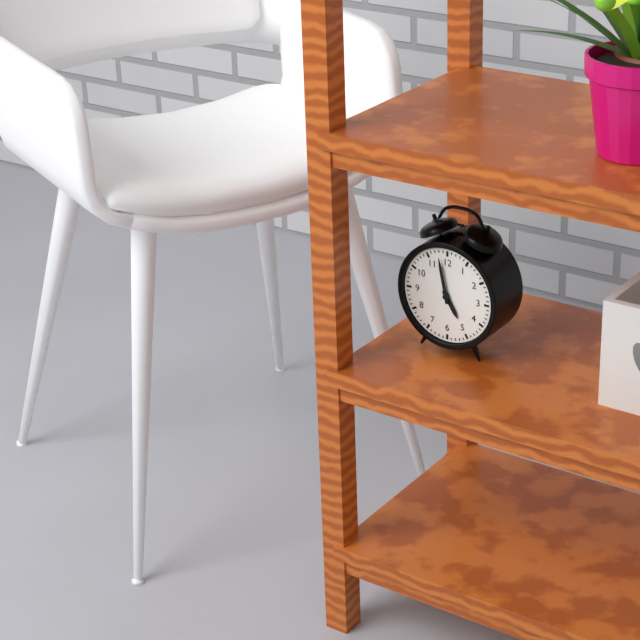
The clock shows **4:58**
